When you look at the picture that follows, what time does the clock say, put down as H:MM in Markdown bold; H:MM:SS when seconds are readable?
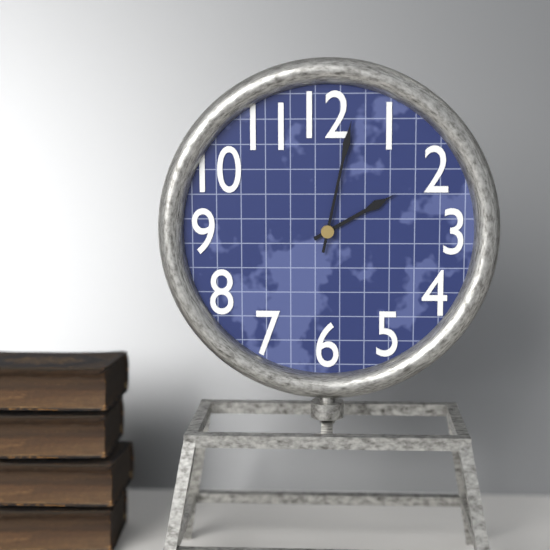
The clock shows **2:02**
